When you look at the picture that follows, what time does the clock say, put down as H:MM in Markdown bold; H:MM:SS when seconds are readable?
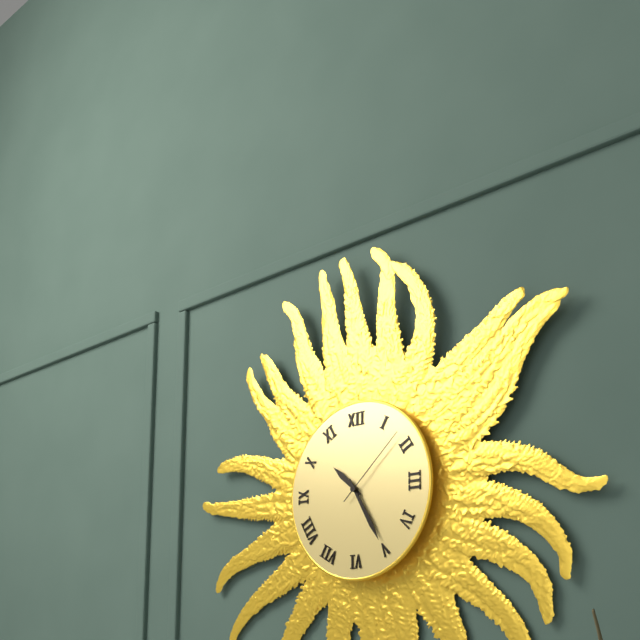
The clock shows **10:25:08**
